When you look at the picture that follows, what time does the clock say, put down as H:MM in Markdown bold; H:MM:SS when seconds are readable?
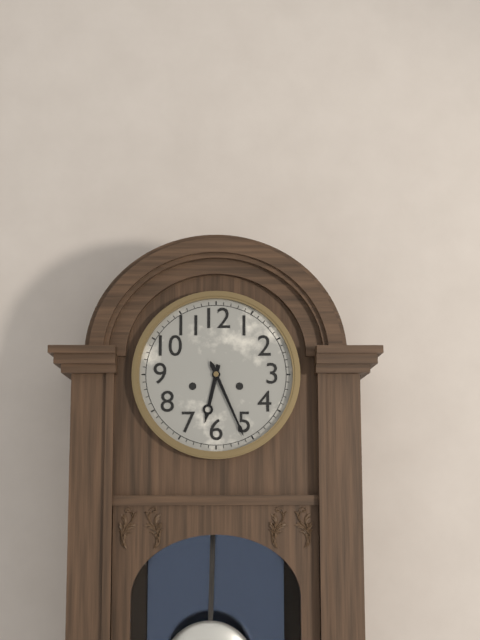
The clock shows **6:26**
